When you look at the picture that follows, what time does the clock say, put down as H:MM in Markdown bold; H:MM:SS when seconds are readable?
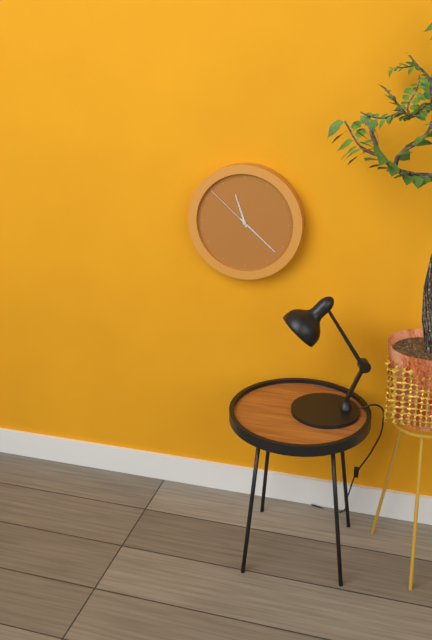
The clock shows **11:22:52**
